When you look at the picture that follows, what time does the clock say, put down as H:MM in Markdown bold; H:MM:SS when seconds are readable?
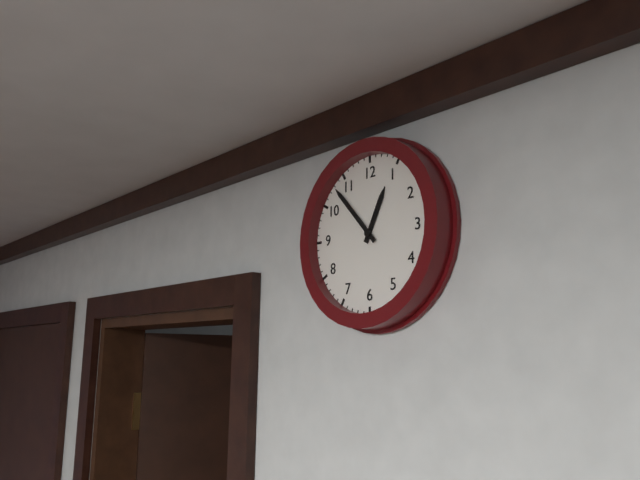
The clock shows **12:53**
